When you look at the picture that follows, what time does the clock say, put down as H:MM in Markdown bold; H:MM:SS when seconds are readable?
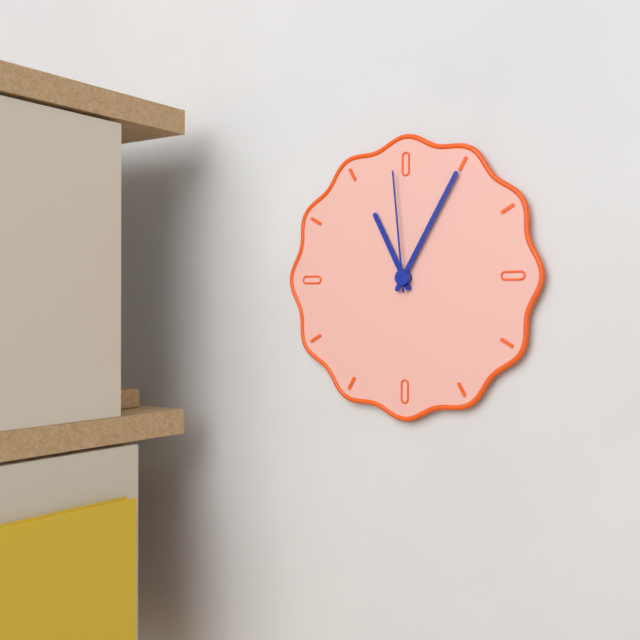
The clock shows **11:05:59**
